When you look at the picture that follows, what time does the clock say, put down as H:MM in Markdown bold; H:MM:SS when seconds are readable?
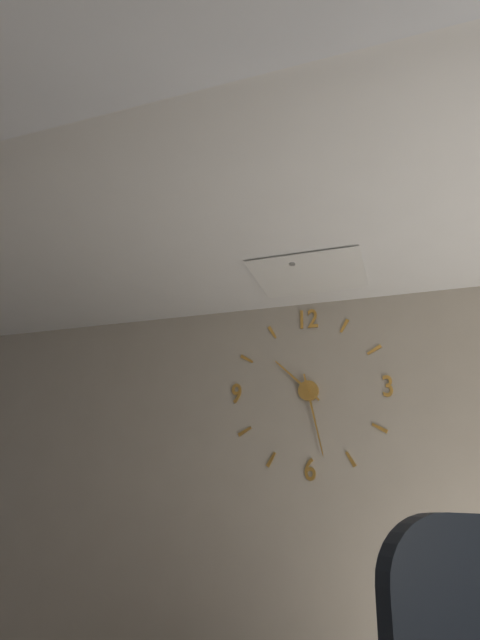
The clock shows **10:28**
